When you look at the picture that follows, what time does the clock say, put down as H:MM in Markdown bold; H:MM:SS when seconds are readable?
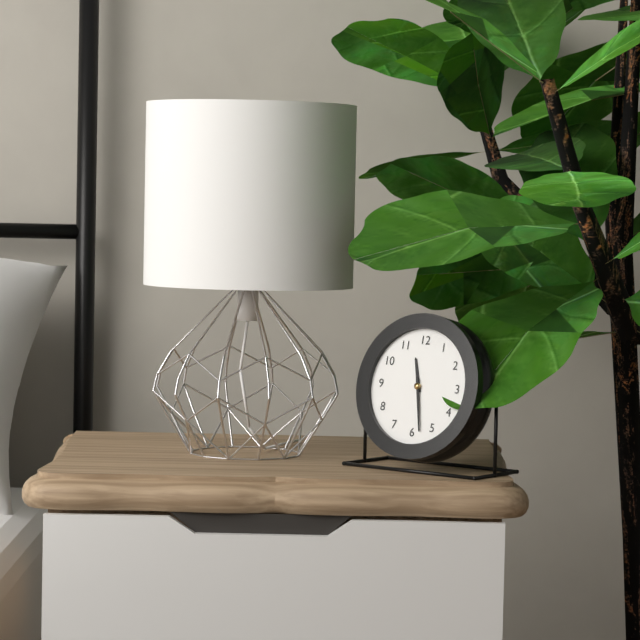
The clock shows **11:28**
